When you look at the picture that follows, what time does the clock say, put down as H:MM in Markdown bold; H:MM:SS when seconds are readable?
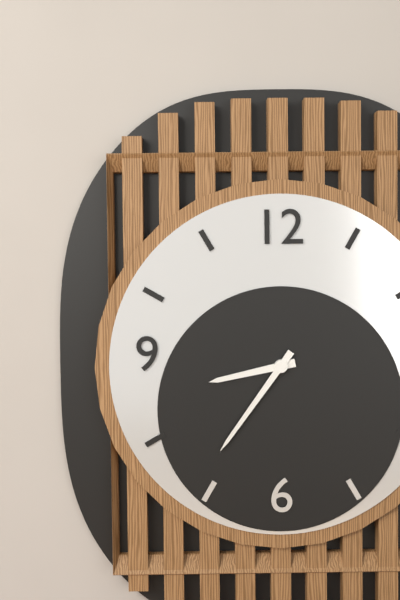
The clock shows **8:36**
